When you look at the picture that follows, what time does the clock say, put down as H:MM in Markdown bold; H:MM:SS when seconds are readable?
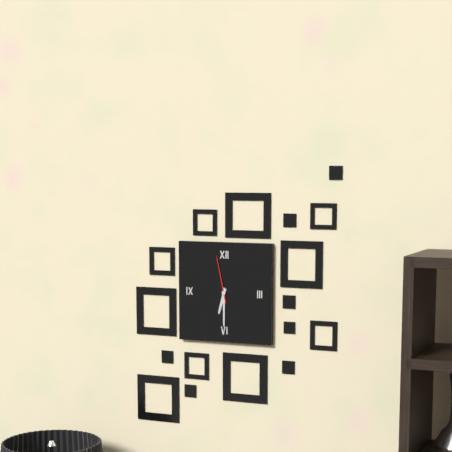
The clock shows **6:30**
